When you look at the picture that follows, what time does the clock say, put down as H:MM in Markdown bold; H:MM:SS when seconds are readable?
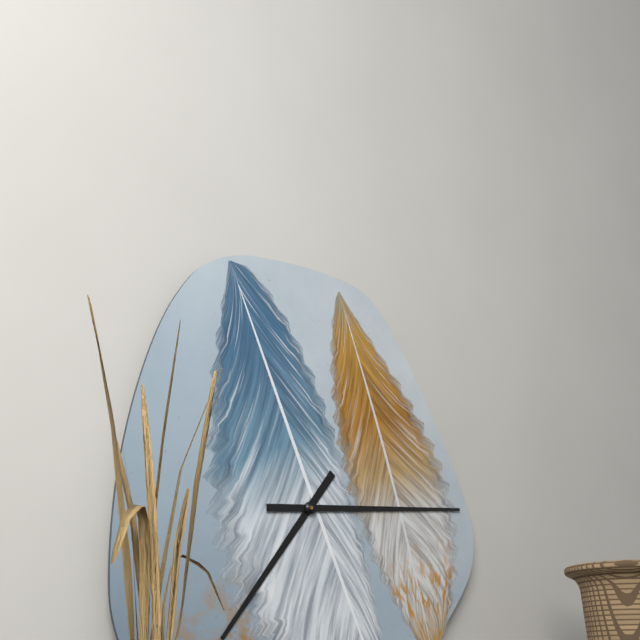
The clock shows **7:14**
